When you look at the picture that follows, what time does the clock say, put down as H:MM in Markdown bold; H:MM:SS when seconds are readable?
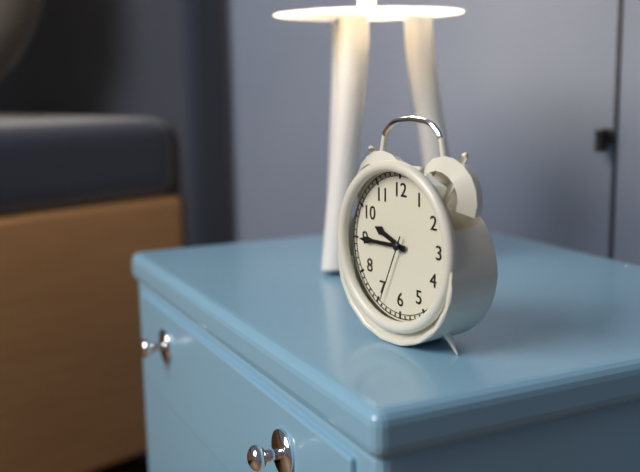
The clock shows **9:45:34**
